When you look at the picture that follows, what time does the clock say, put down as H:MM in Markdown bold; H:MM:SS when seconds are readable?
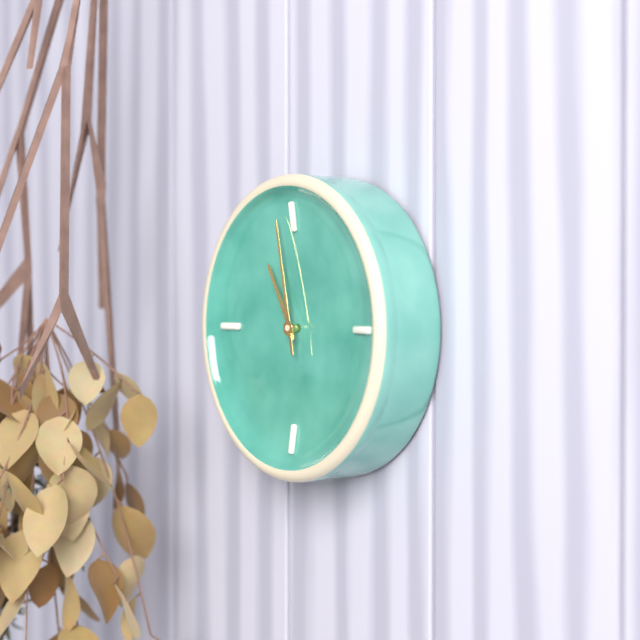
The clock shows **10:58**
